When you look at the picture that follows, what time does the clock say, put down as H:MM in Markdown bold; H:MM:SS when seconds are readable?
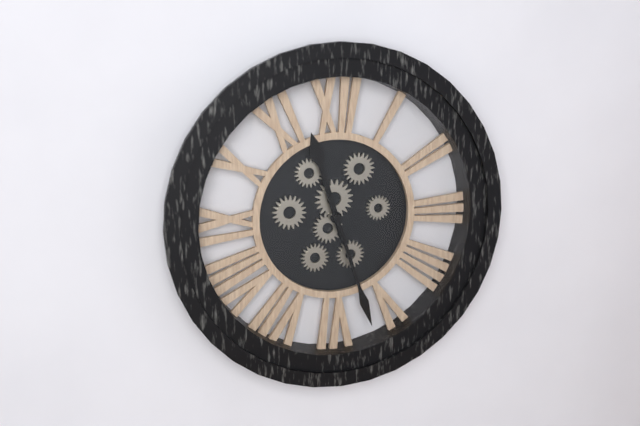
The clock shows **11:27**
